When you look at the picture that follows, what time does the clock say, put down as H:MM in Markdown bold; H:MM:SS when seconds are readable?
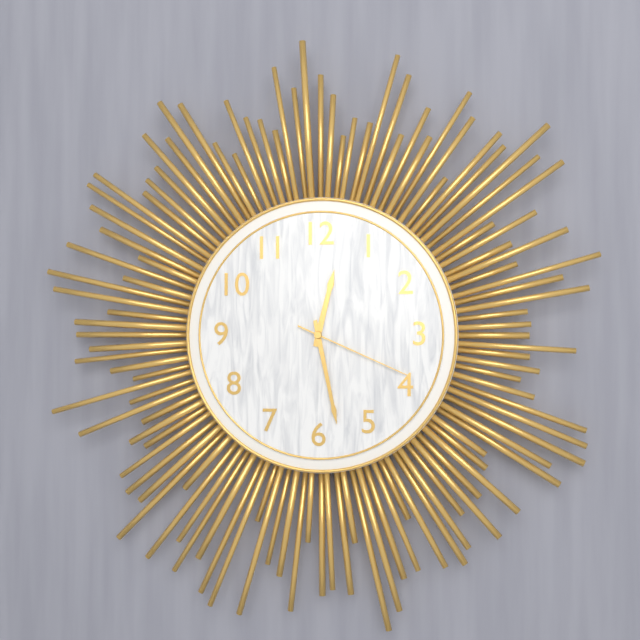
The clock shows **12:28:19**
